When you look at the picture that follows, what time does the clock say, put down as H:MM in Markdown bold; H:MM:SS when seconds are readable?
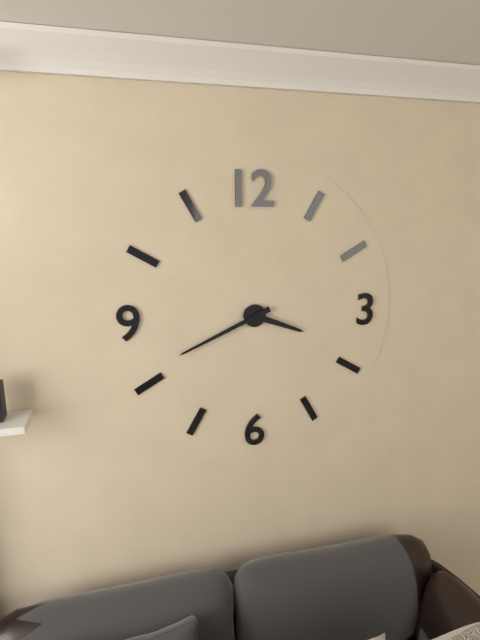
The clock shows **3:41**
